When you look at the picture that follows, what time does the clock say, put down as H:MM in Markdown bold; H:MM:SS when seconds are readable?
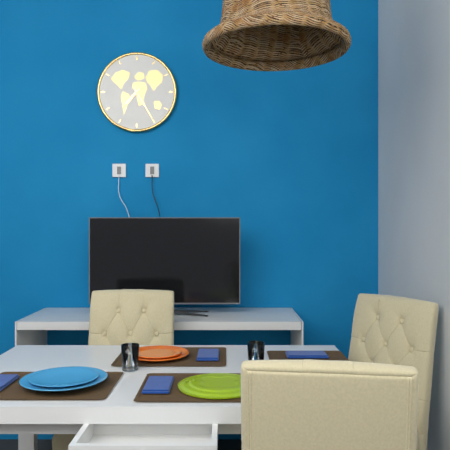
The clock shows **7:25**
